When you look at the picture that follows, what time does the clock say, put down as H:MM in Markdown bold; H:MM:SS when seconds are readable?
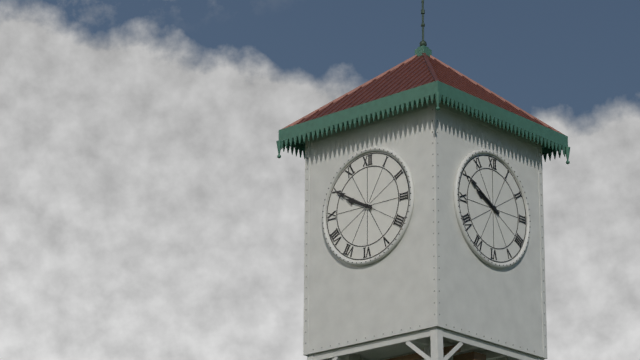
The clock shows **9:50**
